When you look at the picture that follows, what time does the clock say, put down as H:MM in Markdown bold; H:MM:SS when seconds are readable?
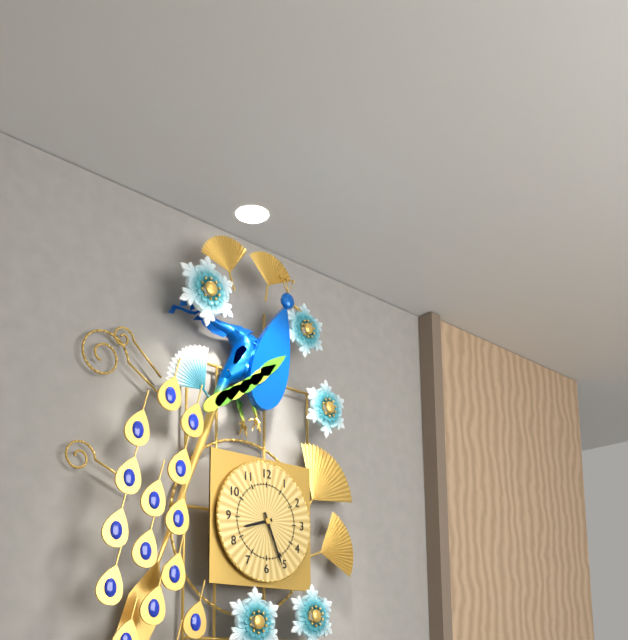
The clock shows **8:26**
